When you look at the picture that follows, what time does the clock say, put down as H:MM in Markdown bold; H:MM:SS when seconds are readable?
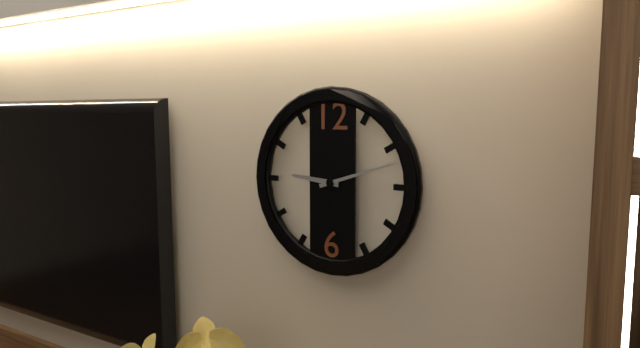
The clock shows **9:12**
